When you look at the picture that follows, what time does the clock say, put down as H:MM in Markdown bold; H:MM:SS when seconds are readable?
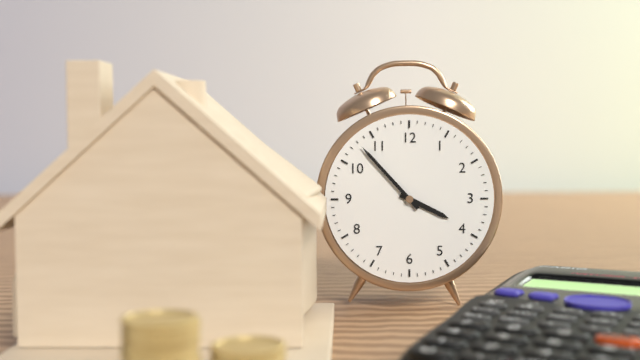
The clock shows **3:53**
